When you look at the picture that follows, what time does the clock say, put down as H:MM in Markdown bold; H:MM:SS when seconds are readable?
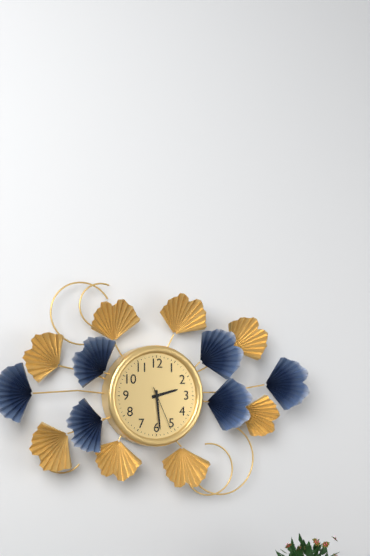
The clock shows **2:29**
